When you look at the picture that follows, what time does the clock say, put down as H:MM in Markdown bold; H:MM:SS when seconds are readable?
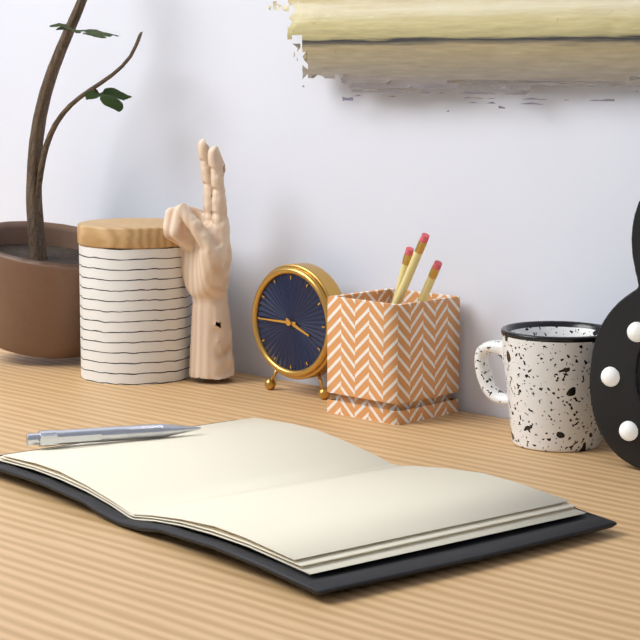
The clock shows **3:45**
